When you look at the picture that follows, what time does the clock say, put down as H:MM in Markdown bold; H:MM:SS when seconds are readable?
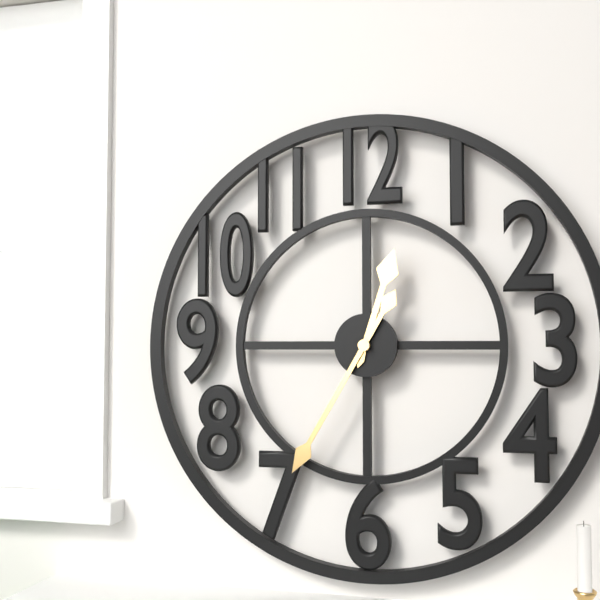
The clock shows **12:35**
